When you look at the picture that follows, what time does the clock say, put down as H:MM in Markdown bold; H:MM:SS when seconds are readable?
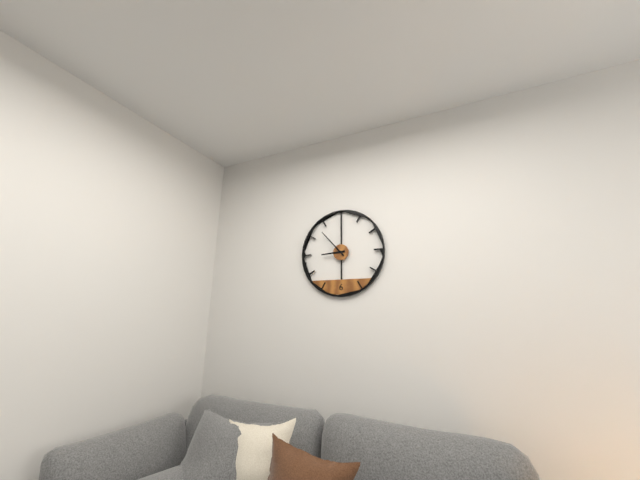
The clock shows **8:53**
